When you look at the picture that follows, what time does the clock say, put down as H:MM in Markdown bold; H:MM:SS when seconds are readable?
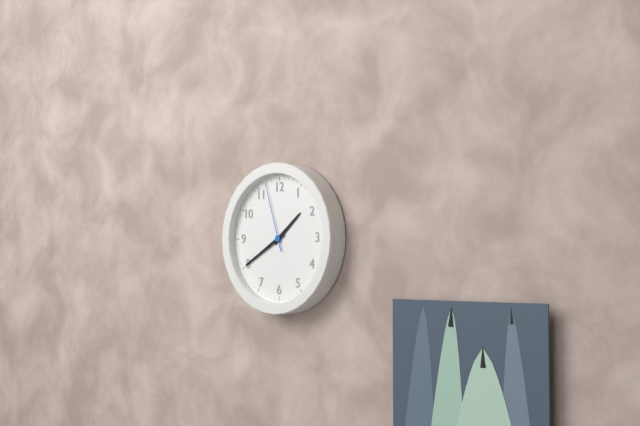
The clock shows **1:40:57**
